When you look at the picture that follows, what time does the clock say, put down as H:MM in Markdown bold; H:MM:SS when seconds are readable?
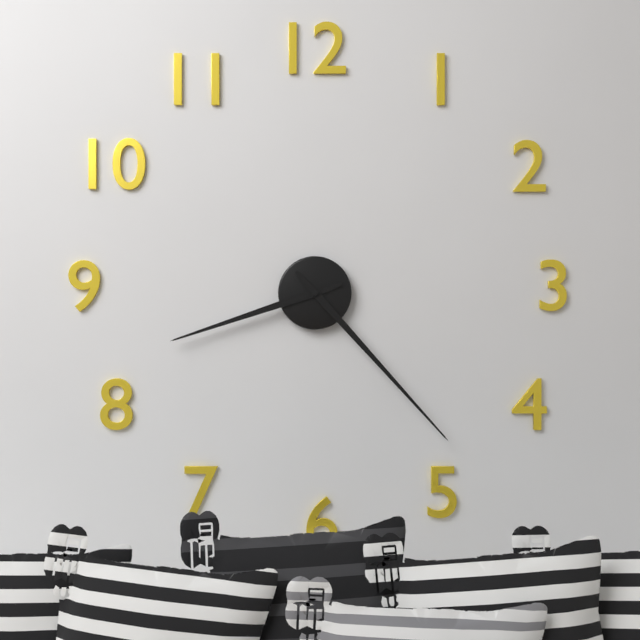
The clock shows **8:23**
